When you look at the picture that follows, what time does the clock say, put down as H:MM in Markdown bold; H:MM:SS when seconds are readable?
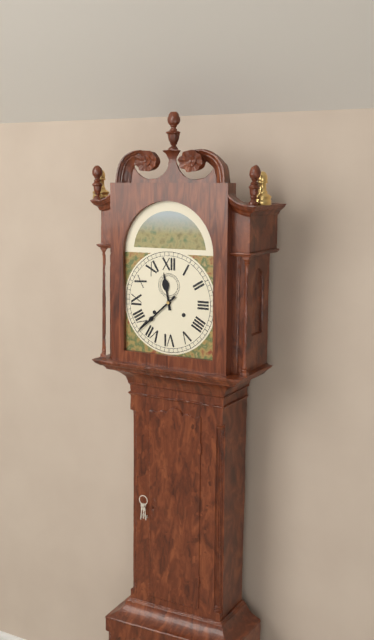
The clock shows **11:38**
